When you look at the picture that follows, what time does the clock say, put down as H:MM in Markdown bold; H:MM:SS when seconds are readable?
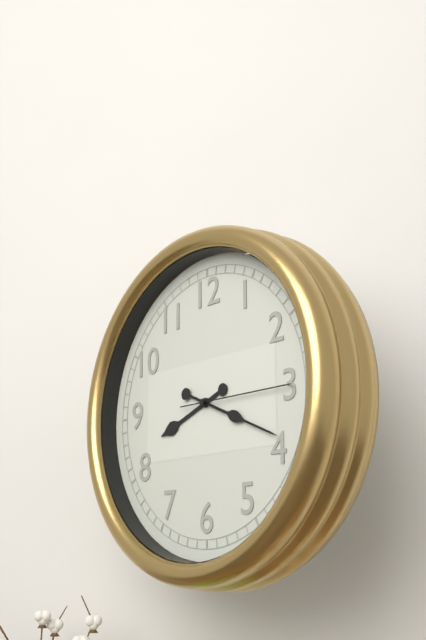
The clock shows **8:19:15**
